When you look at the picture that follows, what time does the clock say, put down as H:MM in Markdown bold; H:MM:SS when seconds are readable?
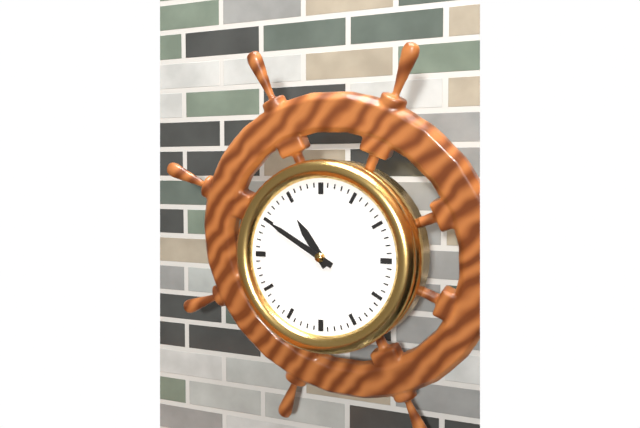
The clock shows **10:50**
